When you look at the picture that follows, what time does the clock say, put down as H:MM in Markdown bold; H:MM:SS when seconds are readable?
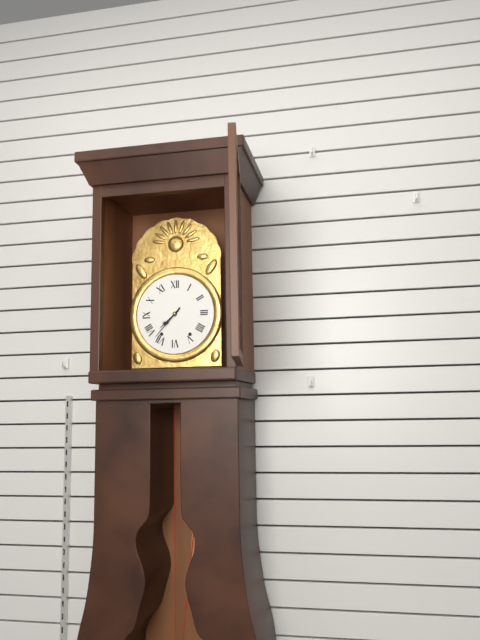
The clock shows **7:37**
